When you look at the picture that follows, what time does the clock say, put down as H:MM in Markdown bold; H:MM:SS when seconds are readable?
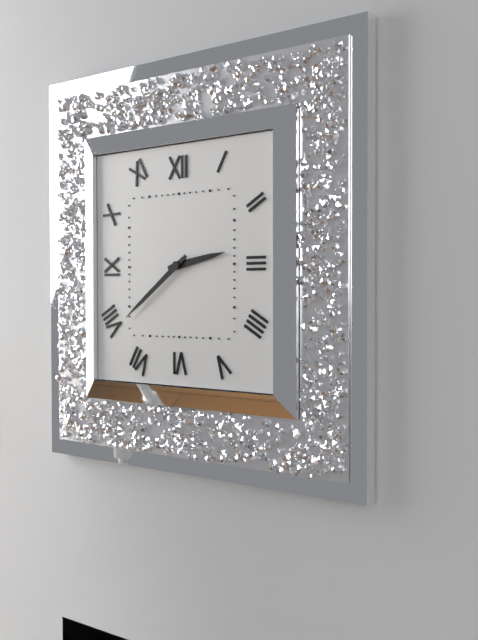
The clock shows **2:39**
